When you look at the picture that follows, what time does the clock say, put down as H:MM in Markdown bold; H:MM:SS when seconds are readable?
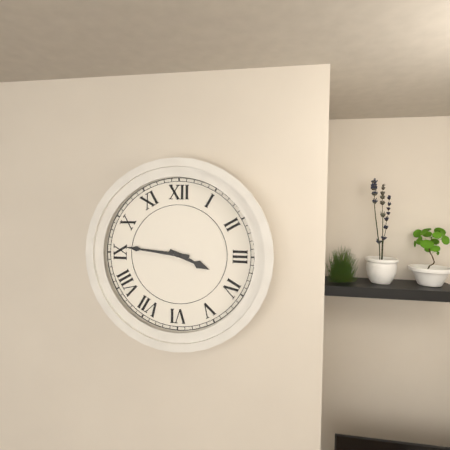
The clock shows **3:46**
